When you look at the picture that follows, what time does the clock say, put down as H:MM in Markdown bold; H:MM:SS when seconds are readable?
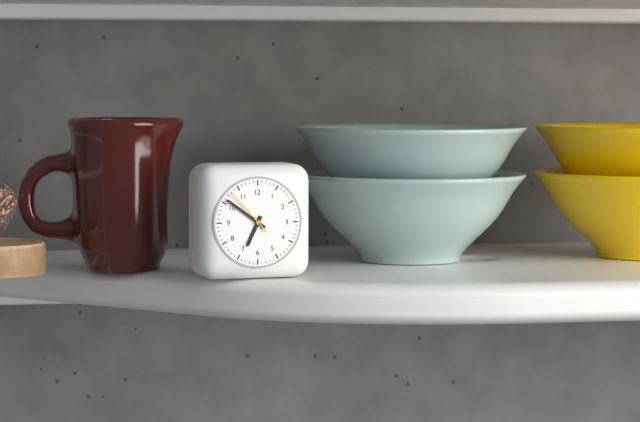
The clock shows **6:51**
